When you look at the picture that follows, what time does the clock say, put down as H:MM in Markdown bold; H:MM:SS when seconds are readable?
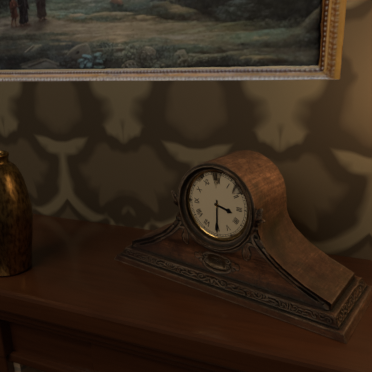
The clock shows **3:30**
